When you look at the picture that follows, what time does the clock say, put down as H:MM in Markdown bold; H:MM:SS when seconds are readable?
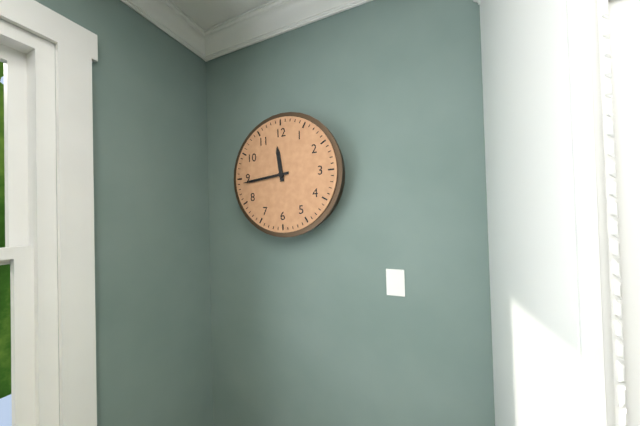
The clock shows **11:44**
